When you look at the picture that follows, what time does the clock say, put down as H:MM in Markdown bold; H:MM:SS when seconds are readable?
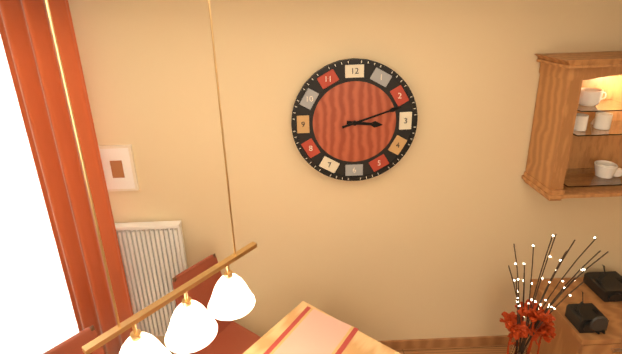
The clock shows **3:12**
